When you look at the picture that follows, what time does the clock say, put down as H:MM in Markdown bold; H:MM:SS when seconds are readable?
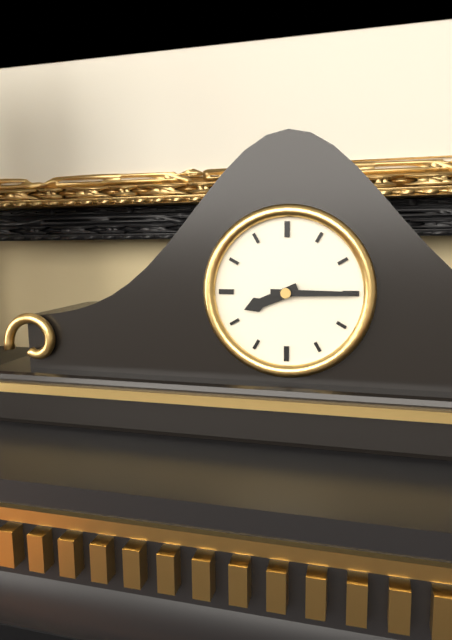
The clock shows **8:15**
